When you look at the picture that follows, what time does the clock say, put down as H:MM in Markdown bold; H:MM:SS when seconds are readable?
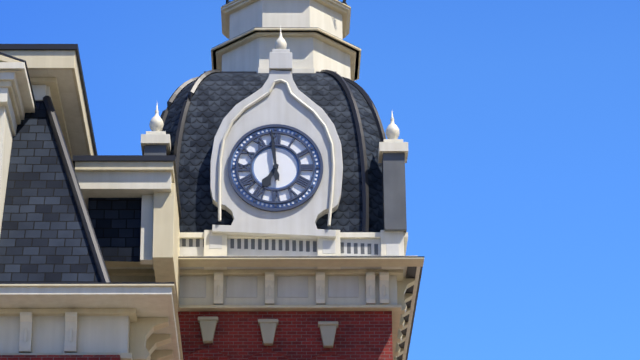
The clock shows **6:59**
